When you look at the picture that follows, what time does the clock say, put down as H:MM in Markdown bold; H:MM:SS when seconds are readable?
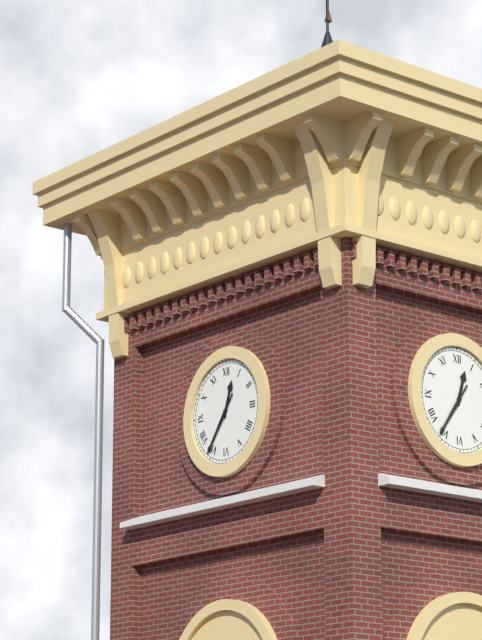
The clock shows **12:36**
